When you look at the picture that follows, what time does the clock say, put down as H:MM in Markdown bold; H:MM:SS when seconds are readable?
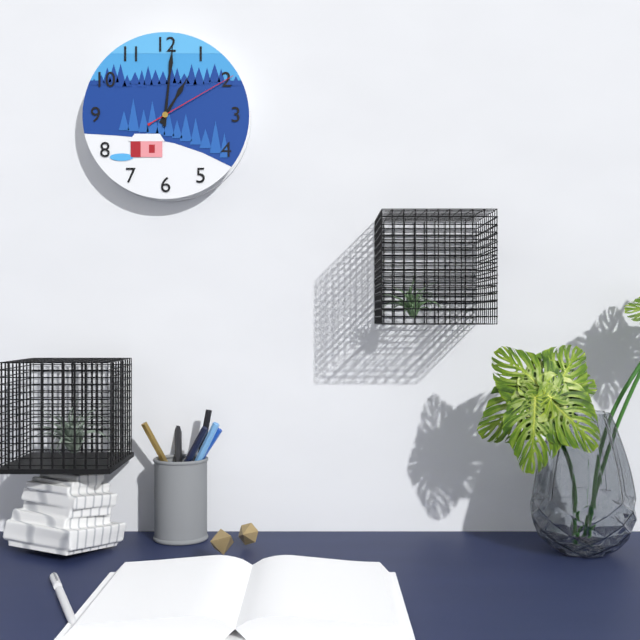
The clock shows **1:01:10**
